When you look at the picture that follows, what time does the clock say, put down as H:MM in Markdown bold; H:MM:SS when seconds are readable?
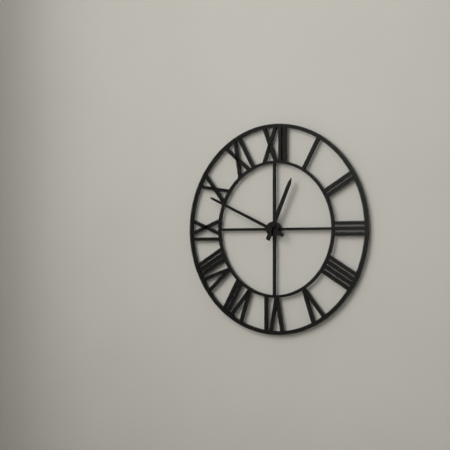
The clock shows **12:49**
